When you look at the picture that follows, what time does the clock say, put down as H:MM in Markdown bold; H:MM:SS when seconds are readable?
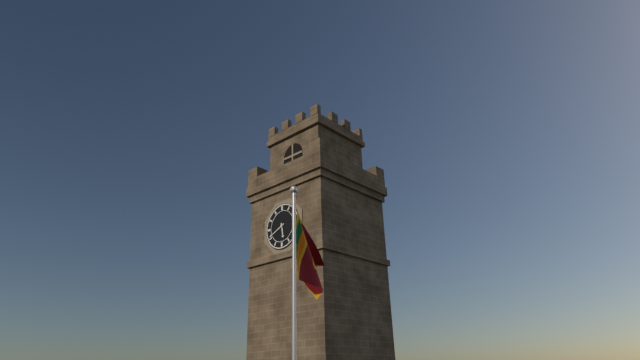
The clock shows **5:41**
